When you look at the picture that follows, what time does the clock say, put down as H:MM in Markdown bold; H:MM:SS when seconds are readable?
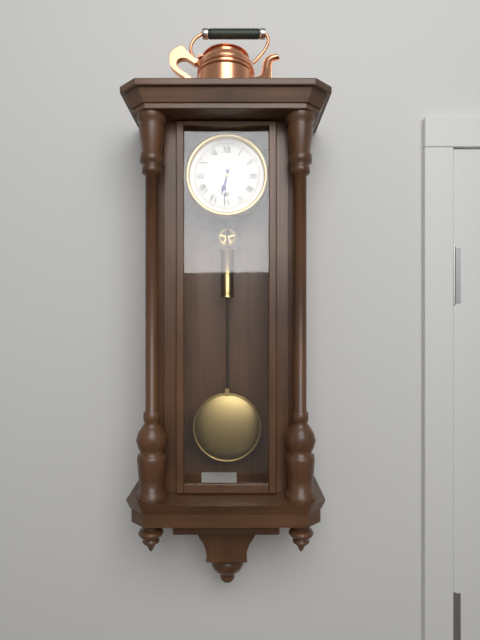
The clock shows **6:31**
